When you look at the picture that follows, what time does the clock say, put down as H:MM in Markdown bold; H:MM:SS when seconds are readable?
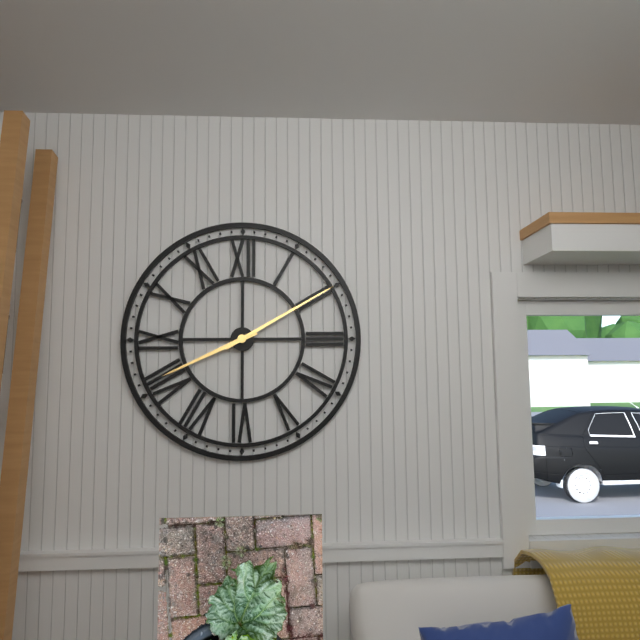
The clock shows **8:10**
